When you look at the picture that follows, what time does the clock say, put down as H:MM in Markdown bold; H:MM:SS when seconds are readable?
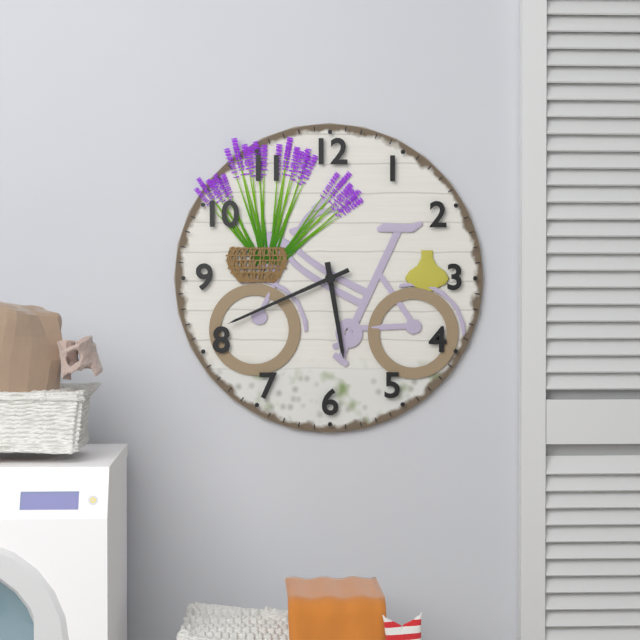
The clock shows **5:41**
